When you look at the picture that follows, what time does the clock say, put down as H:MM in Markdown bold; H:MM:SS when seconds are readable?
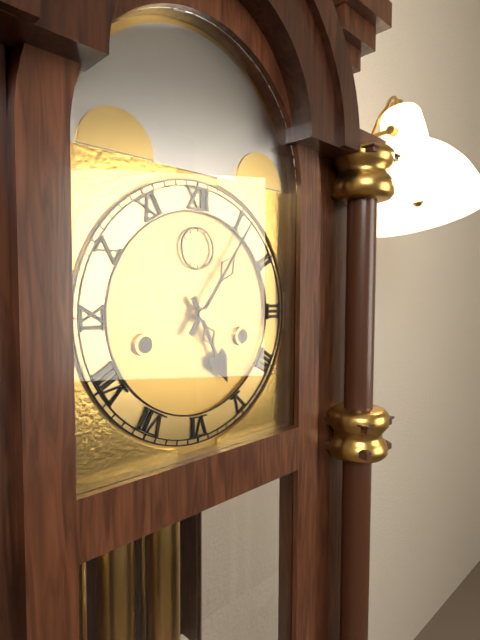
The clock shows **5:06**
